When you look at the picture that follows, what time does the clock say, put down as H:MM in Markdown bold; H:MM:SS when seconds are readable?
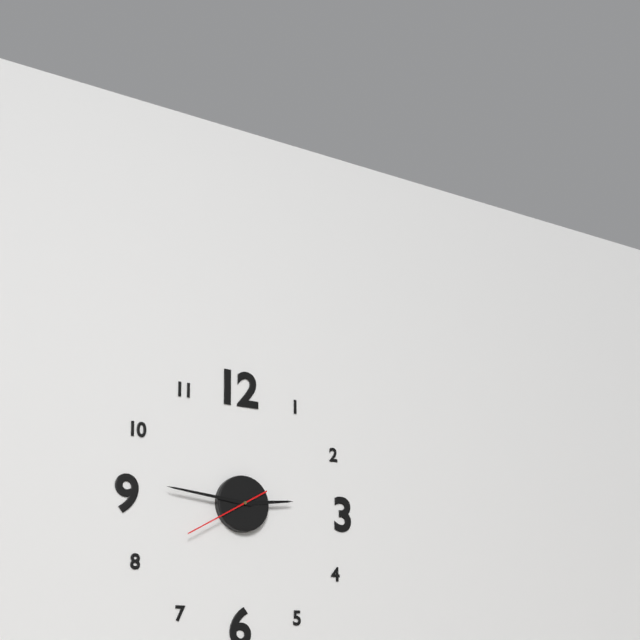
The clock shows **2:46:40**
